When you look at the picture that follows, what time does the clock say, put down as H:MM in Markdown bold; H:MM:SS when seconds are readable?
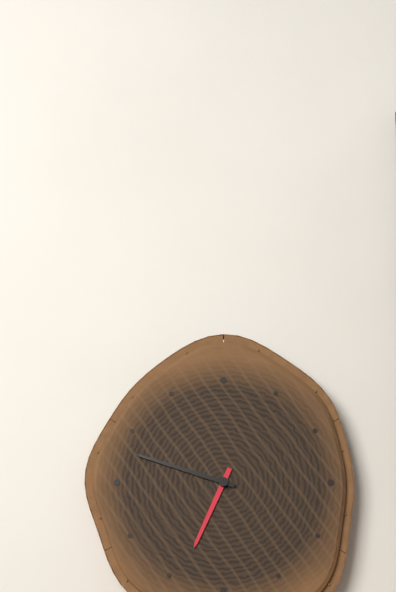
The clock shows **6:48**
